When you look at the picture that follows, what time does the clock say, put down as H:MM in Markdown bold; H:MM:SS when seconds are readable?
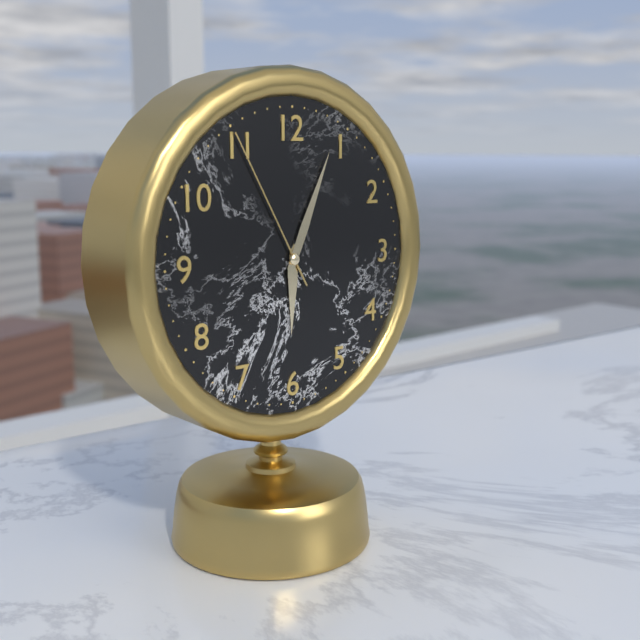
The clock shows **6:04:55**
